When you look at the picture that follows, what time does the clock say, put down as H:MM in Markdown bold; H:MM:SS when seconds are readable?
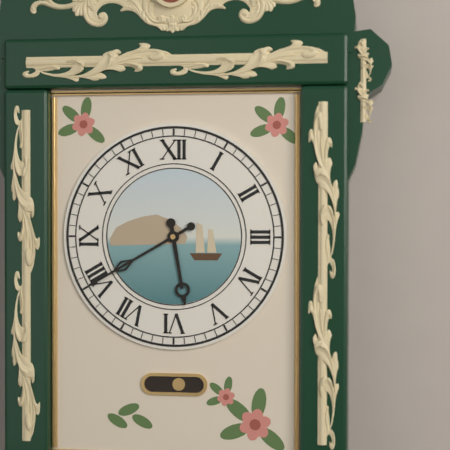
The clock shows **5:40**
